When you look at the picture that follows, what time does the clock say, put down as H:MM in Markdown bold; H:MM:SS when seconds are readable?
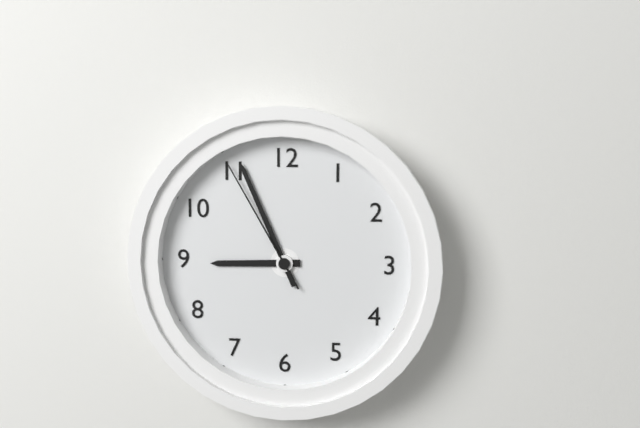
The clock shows **8:56:55**
